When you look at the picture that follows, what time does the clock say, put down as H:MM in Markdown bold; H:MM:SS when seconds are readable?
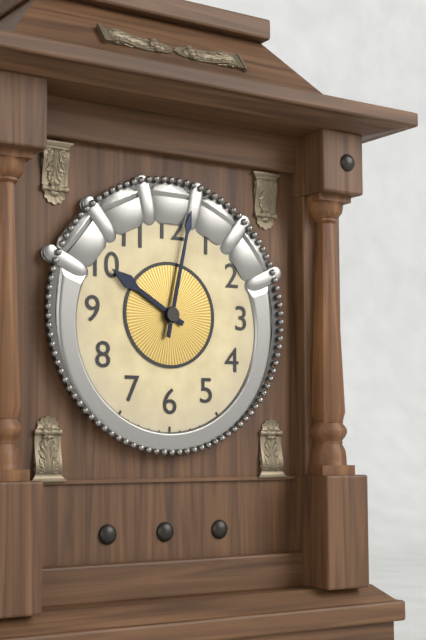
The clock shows **10:02**
